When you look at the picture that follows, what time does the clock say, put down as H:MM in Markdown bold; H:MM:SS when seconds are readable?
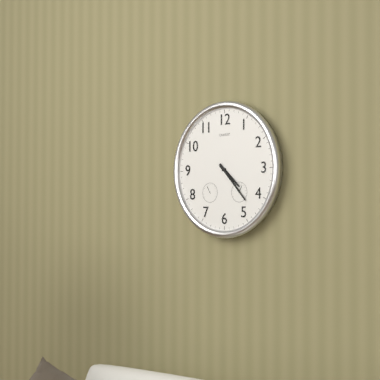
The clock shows **4:23**
